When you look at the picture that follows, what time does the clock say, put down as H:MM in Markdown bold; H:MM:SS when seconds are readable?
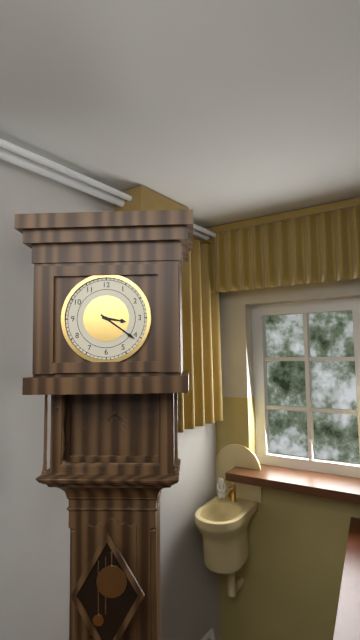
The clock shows **3:21**
